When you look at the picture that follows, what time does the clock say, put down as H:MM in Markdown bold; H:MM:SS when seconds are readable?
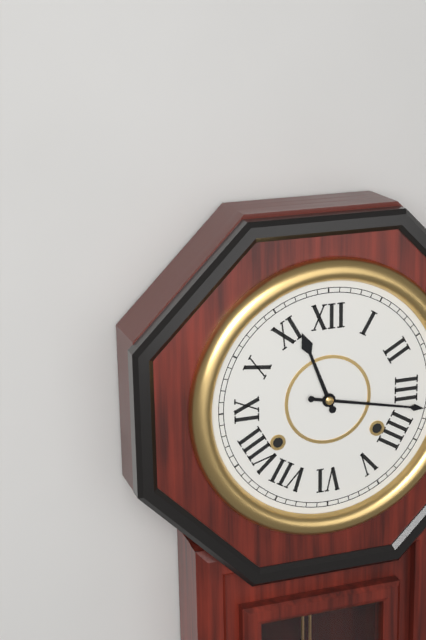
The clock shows **11:17**
